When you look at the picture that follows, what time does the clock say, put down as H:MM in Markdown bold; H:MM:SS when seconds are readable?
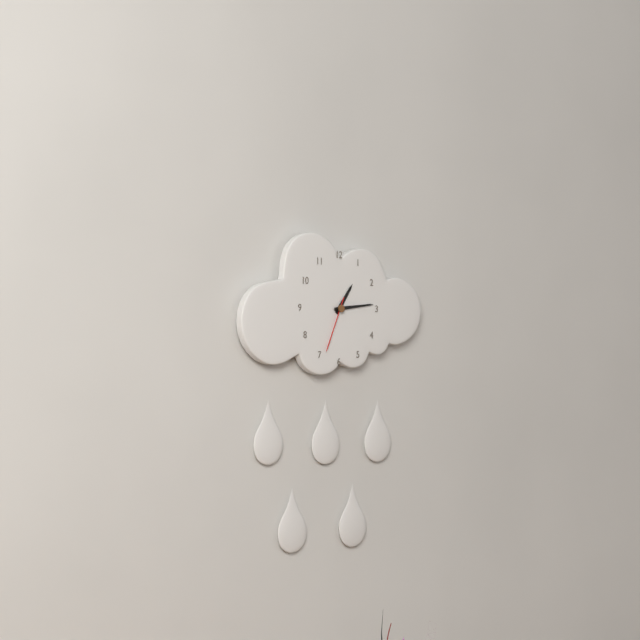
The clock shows **1:14:34**
